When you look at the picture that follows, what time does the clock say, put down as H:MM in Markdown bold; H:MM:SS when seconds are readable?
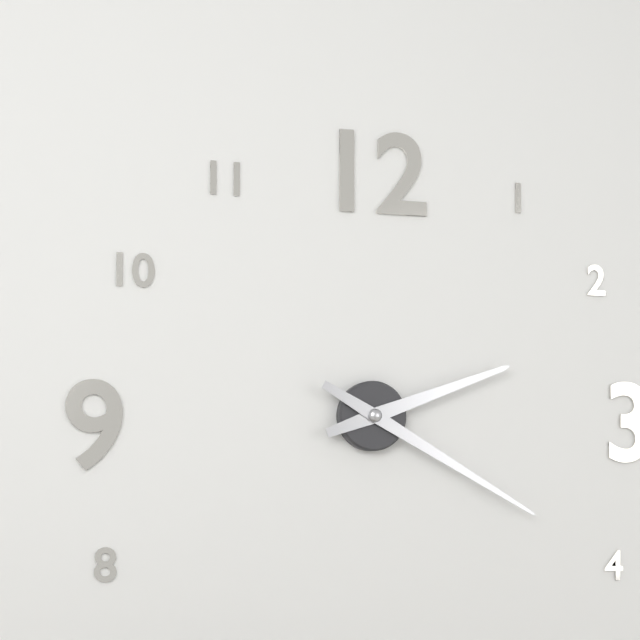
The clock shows **2:20**
